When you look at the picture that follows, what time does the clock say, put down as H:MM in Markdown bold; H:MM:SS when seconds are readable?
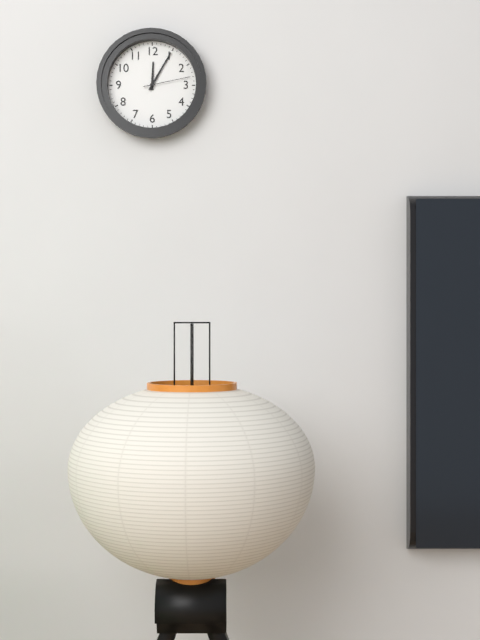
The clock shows **12:05**
